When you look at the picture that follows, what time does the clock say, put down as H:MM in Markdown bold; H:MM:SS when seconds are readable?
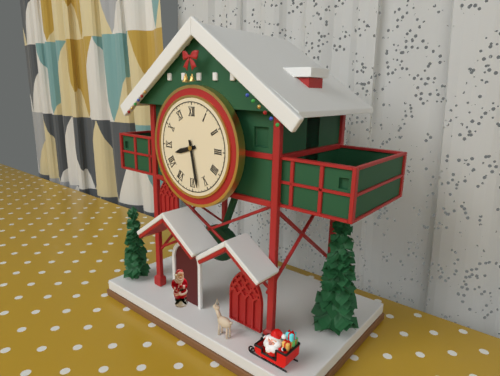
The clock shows **8:28**
